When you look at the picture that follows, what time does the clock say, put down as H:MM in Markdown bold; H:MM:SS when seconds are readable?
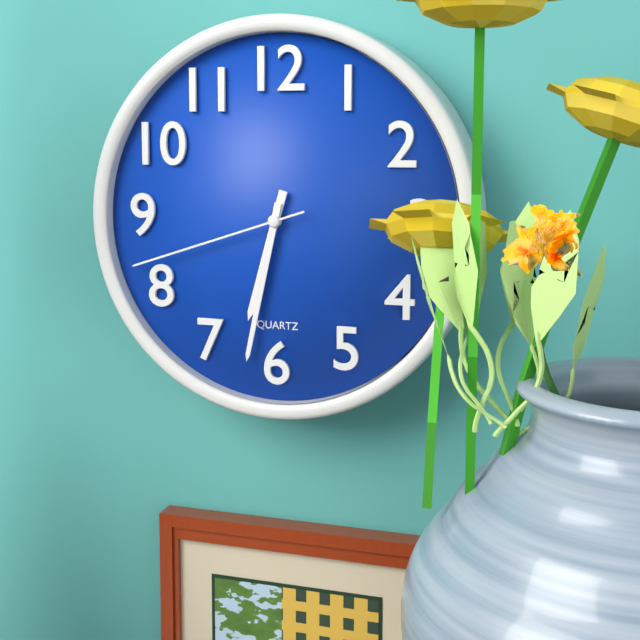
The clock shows **6:32:42**
